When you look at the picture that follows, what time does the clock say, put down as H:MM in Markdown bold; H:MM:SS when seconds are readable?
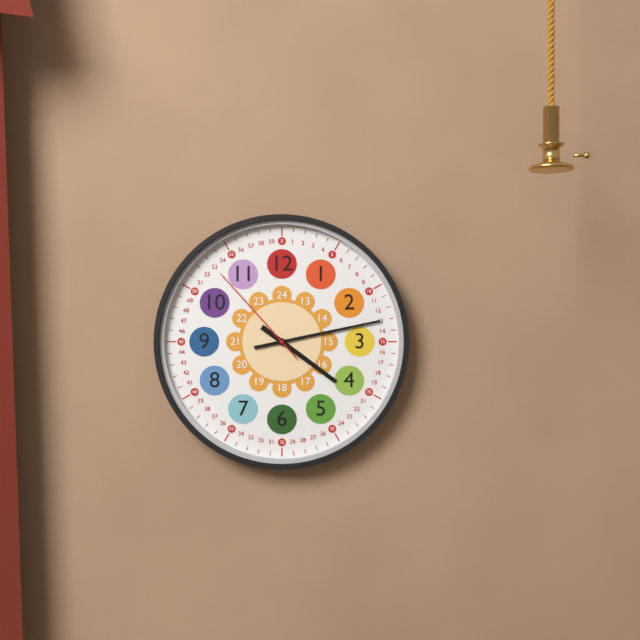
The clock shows **4:13:53**
